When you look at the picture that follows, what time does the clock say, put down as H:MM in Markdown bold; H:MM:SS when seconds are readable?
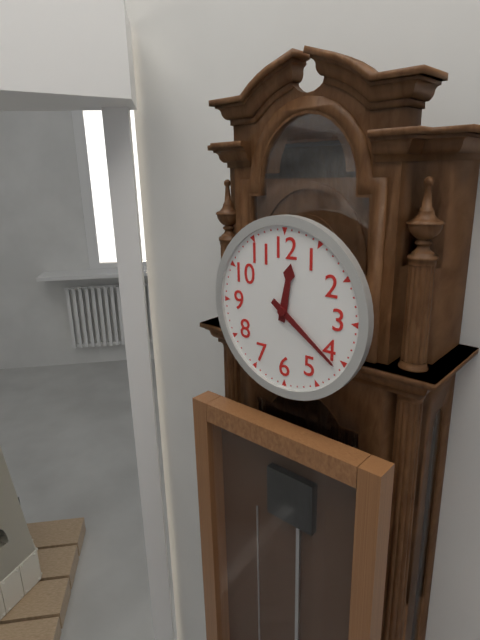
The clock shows **12:21**
